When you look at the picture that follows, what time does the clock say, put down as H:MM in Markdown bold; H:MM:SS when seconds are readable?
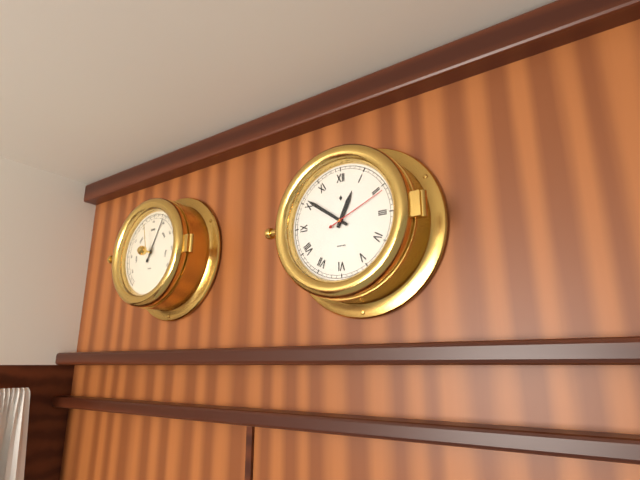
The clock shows **12:51:11**
